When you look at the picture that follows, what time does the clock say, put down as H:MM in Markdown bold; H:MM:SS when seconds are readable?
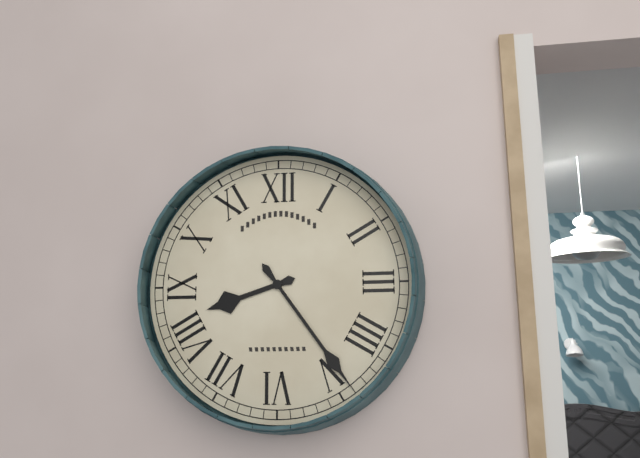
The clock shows **8:24**
